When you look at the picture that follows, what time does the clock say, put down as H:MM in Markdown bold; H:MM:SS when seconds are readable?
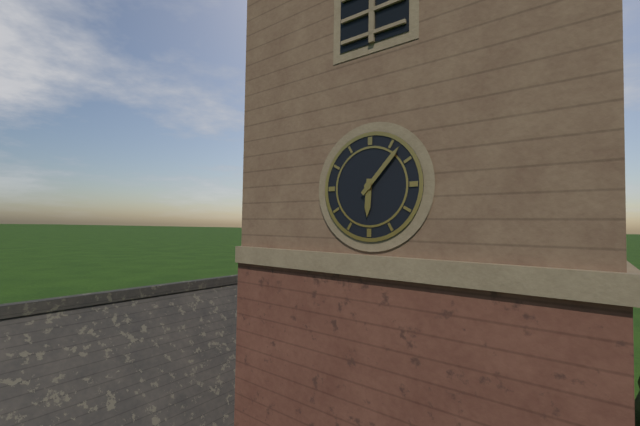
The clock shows **6:07**
